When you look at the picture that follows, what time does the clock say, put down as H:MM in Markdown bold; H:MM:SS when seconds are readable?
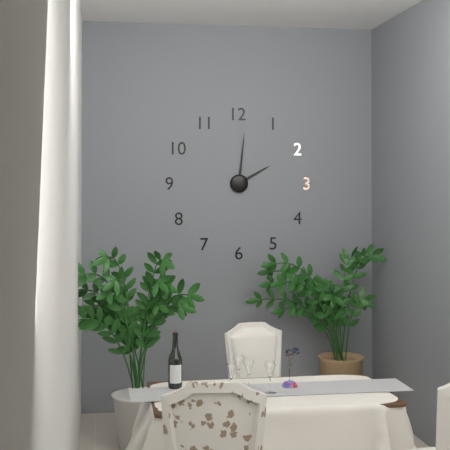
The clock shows **2:01**
